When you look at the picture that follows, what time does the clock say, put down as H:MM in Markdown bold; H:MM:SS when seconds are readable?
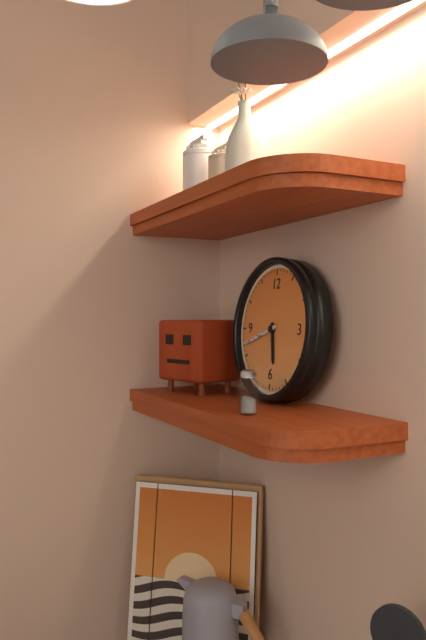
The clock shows **5:42**
